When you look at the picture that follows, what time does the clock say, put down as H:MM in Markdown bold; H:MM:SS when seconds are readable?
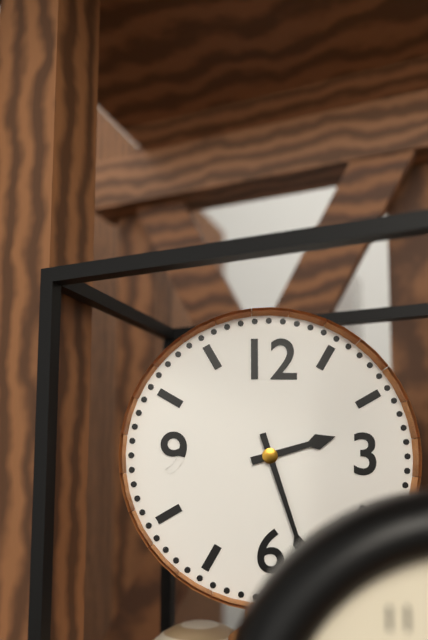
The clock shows **2:27**
